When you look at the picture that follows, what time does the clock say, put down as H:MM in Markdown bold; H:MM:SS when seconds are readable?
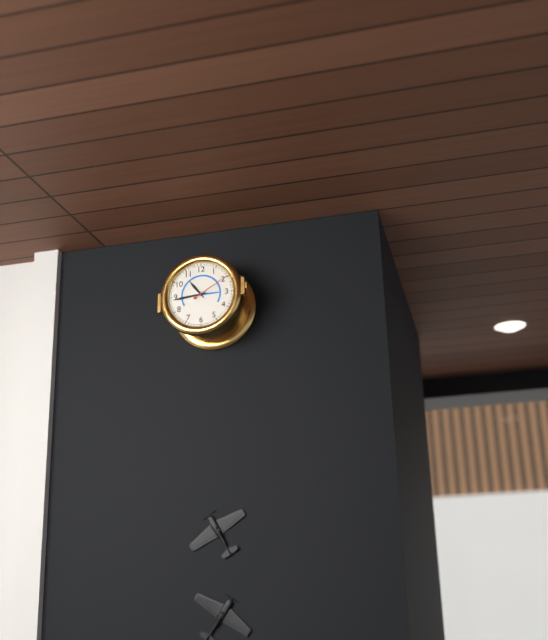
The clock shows **10:44**
